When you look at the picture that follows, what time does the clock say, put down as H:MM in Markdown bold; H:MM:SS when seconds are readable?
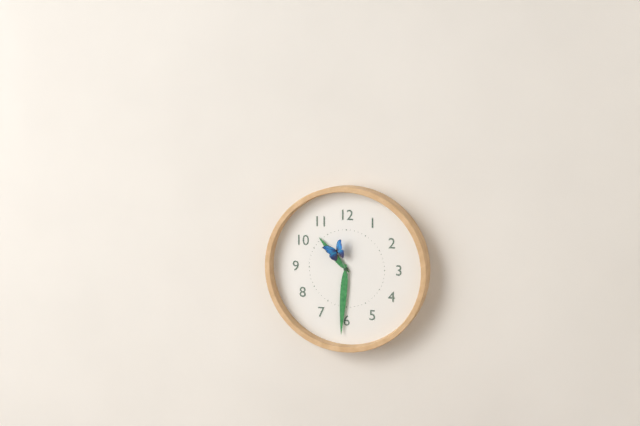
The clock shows **10:31**
